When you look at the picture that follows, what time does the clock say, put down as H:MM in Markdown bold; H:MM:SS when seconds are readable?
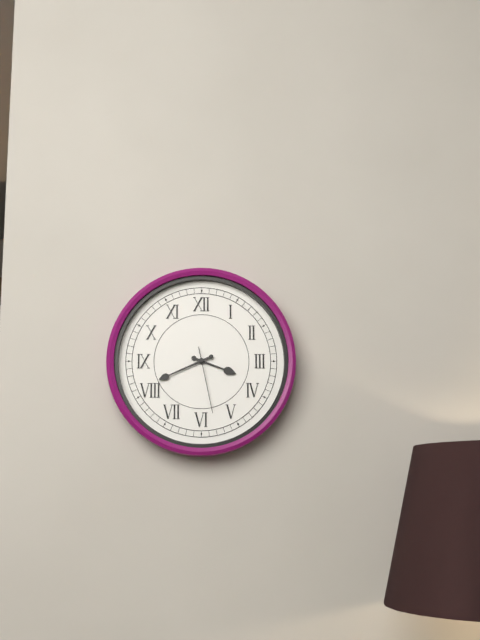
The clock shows **3:41:28**
